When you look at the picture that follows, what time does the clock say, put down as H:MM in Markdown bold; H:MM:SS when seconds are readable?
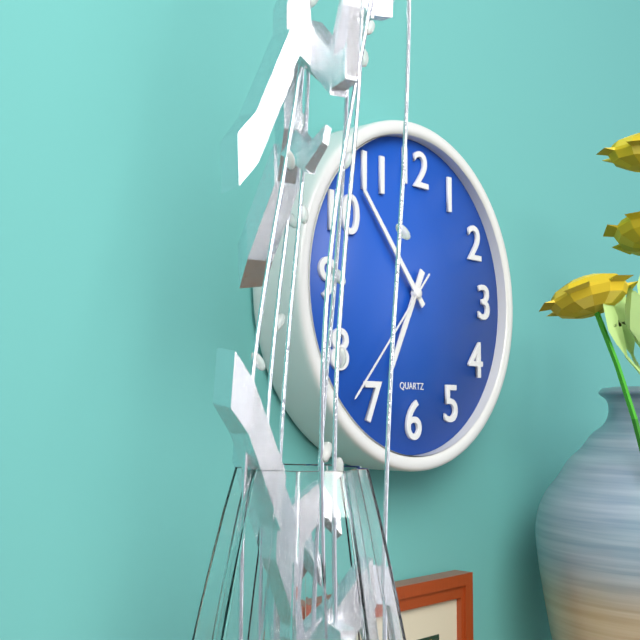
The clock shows **6:53:37**
